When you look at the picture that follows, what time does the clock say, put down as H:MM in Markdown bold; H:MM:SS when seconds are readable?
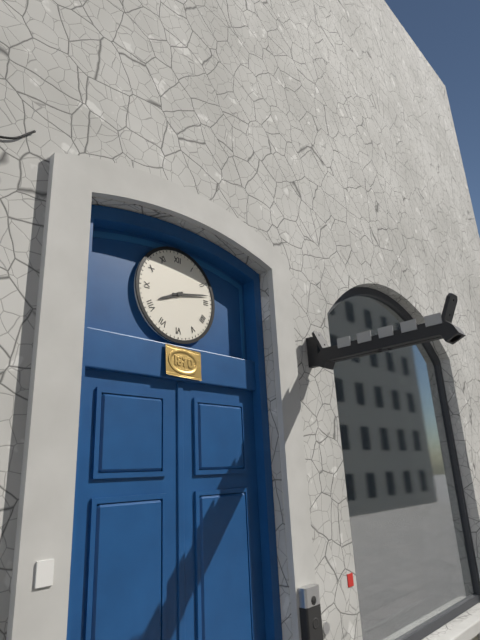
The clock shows **8:13**
